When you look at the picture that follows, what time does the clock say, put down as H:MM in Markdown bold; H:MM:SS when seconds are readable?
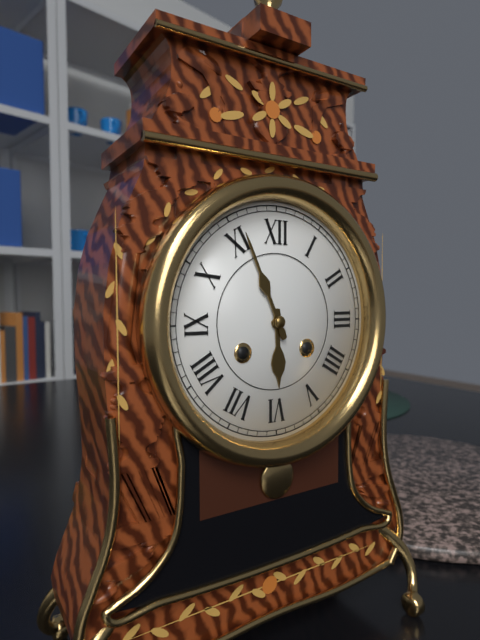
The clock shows **5:56**
